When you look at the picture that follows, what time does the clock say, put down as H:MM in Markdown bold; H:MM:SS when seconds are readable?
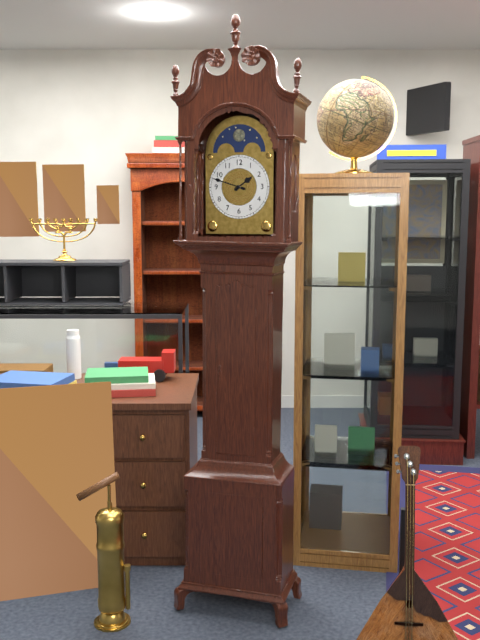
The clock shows **1:48**
